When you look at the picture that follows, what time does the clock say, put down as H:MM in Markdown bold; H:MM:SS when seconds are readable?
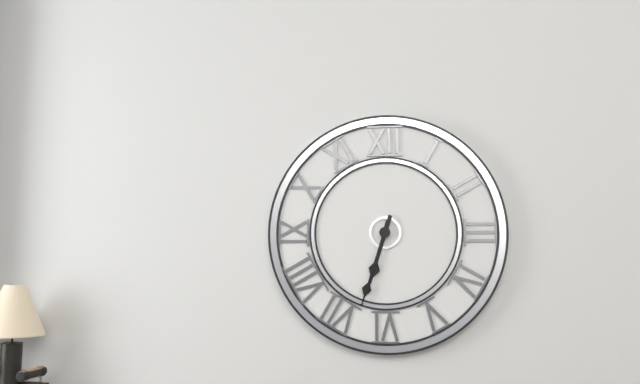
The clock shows **6:33**
